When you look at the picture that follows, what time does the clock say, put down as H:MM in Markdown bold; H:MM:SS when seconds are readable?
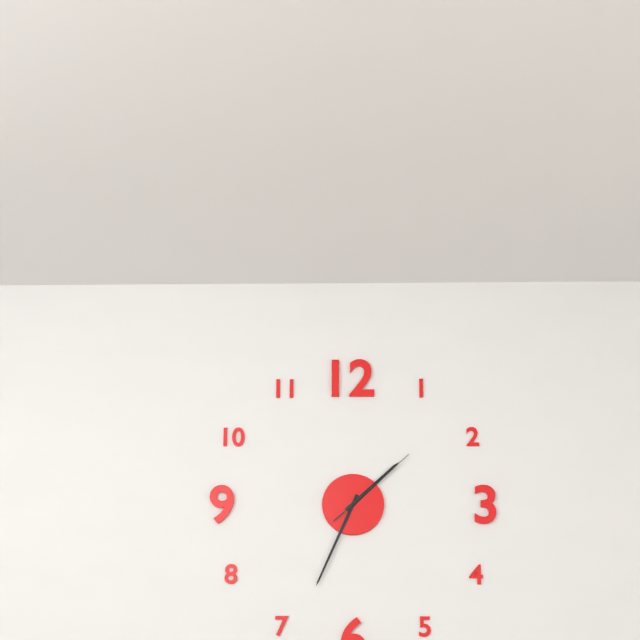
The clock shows **1:34:08**
